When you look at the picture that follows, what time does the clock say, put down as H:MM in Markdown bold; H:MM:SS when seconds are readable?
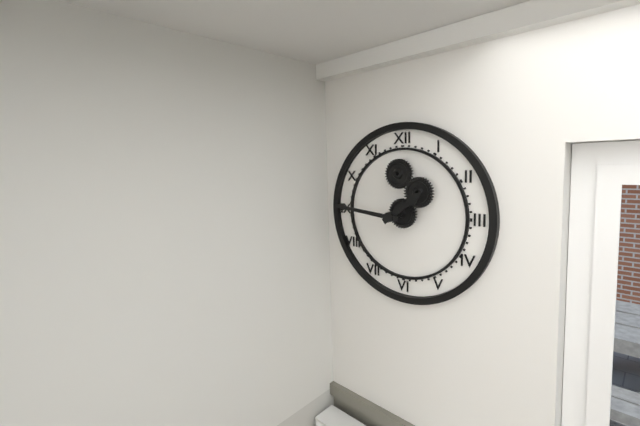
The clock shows **1:46**
